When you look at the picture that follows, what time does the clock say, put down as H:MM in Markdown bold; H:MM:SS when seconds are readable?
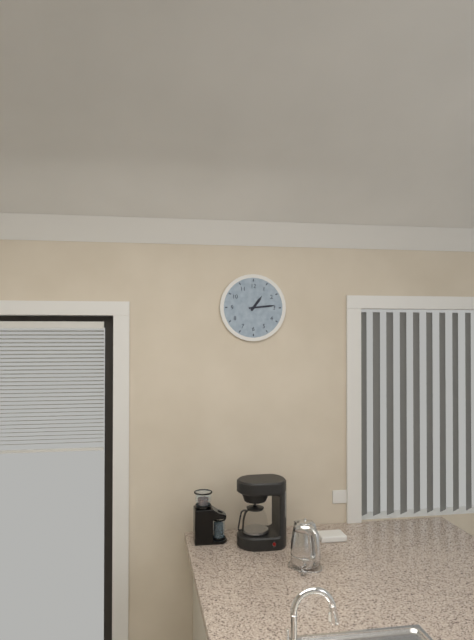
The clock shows **1:14**
